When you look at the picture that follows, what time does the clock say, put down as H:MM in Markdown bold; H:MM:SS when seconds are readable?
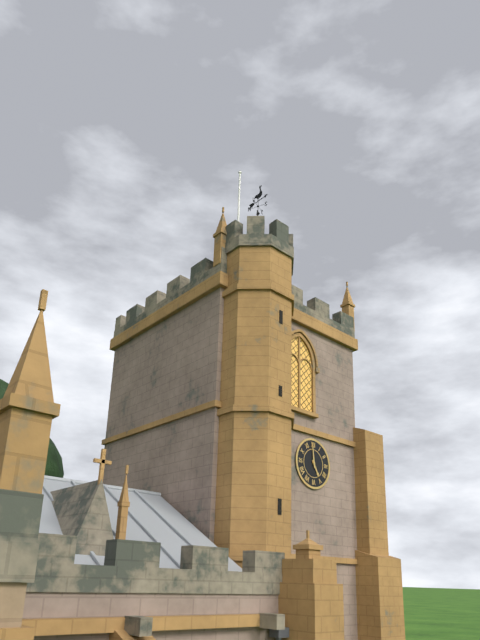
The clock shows **4:59**
